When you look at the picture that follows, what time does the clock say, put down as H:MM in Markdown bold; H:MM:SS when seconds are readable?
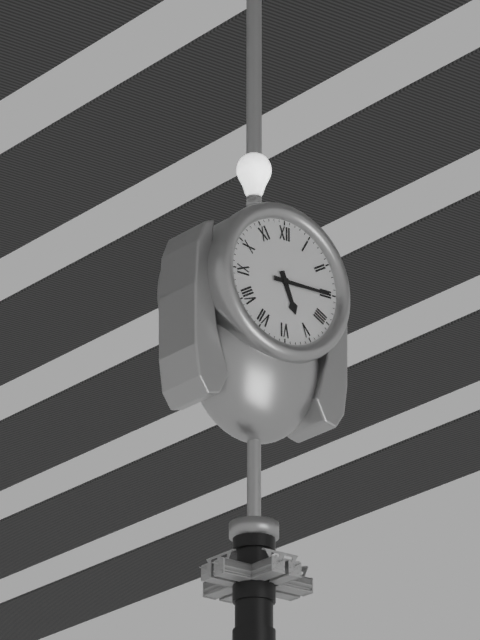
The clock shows **5:15**
